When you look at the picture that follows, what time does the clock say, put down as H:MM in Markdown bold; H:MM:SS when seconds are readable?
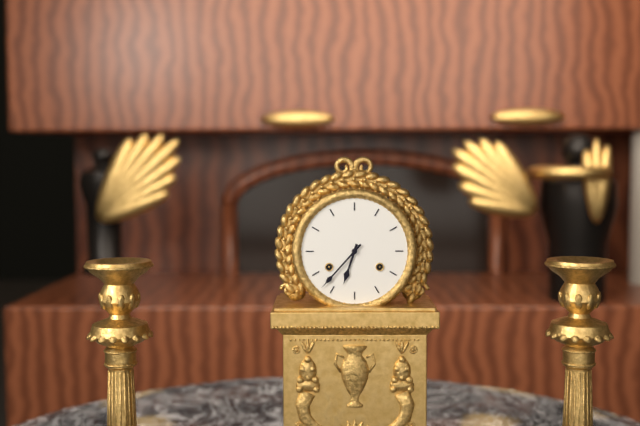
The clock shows **6:37**
